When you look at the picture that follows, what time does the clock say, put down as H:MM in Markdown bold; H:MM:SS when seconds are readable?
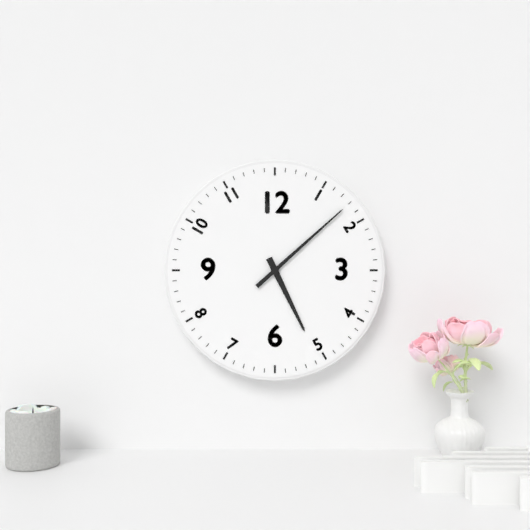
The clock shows **5:08**
